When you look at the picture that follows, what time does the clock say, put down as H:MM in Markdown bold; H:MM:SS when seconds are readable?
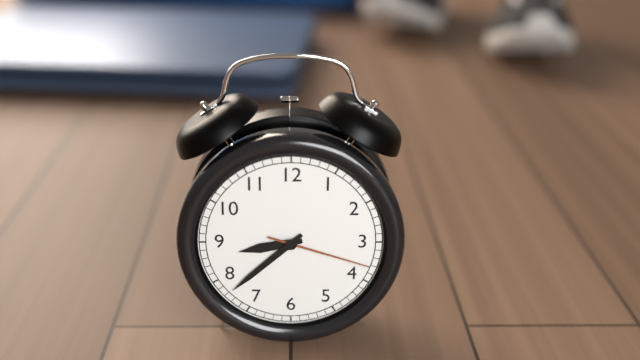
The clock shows **8:38:18**
